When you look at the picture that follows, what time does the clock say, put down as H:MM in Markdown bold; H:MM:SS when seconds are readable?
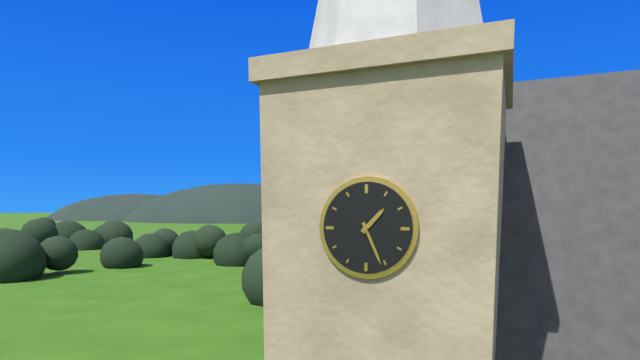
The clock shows **1:26**
